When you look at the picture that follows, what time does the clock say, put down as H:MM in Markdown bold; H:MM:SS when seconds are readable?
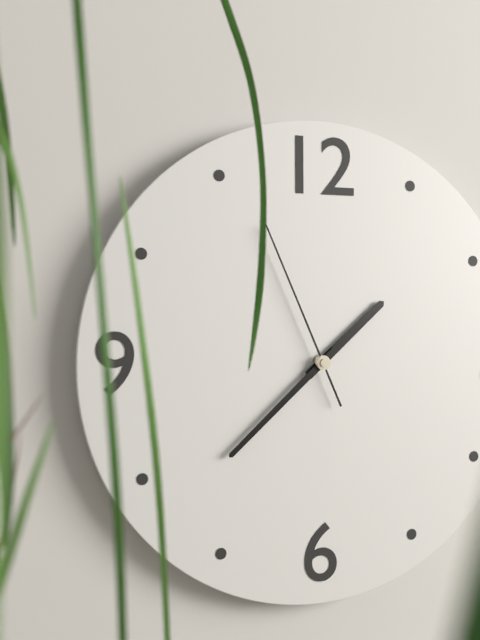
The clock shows **1:38:56**
